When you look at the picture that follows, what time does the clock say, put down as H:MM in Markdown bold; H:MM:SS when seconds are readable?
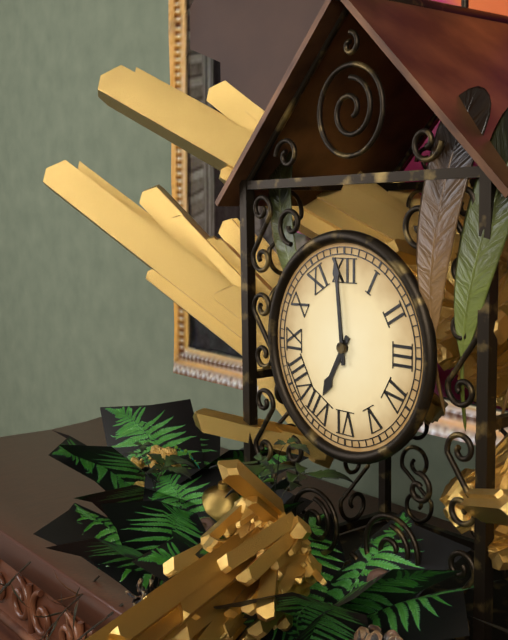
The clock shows **6:59**
